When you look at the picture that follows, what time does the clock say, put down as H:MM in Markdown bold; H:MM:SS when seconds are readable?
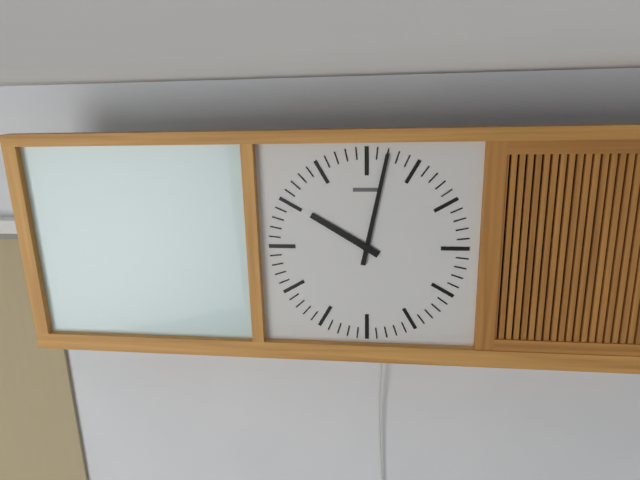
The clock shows **10:02**
